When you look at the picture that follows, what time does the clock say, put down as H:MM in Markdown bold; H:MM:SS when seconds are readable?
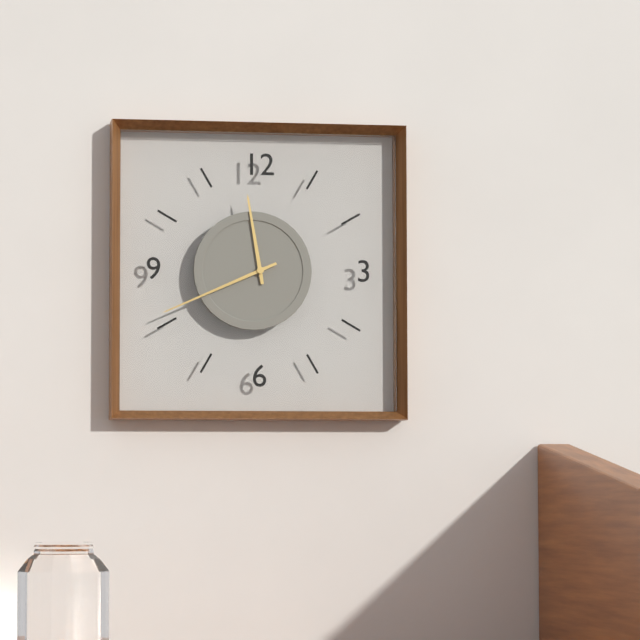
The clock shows **11:41**
